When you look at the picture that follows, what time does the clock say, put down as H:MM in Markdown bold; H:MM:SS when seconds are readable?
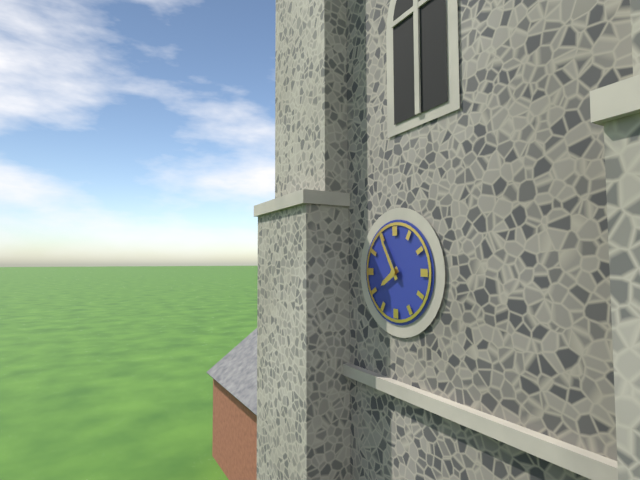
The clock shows **7:55**
